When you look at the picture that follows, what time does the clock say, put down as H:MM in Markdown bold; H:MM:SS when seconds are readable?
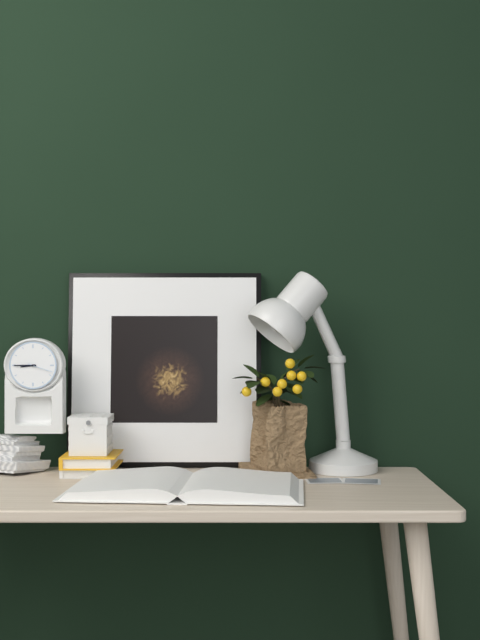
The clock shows **8:45**
